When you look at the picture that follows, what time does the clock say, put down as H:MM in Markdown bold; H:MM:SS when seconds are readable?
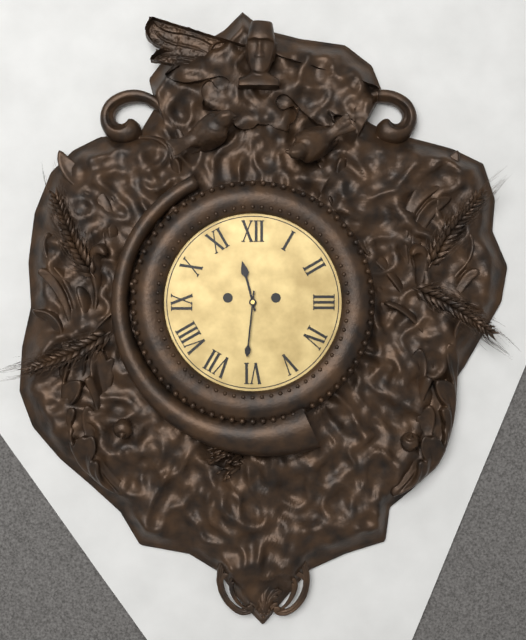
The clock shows **11:31**
